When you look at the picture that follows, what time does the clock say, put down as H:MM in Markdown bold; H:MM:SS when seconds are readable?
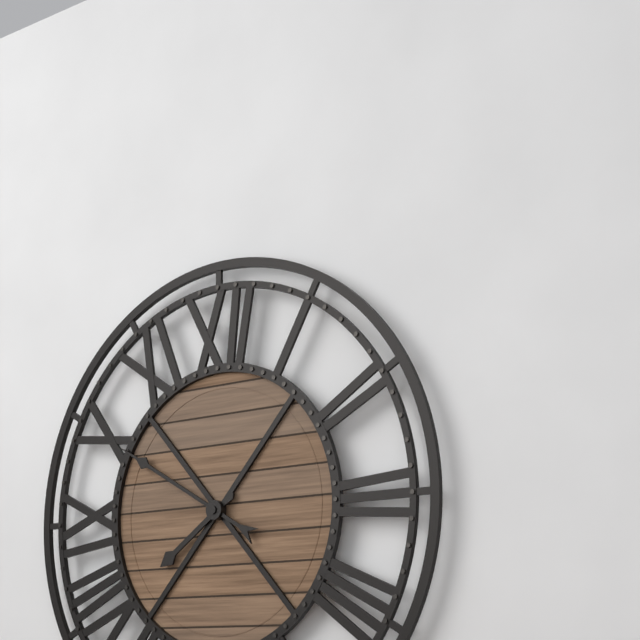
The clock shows **7:50**
